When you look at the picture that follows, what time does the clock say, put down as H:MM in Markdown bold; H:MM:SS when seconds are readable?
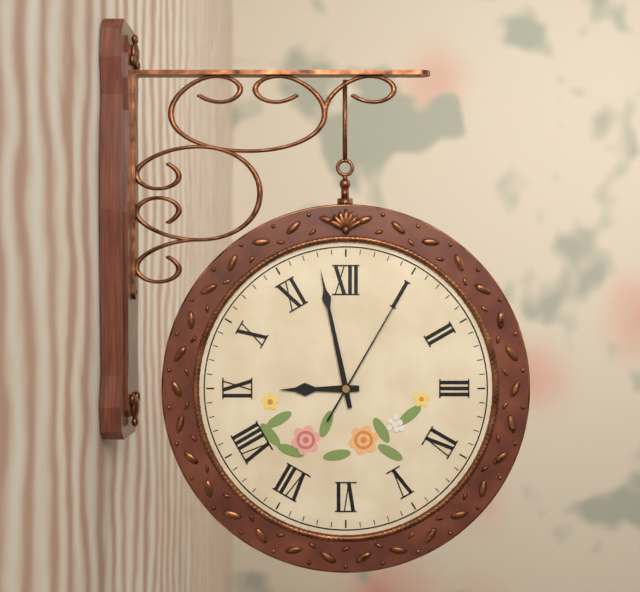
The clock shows **8:58:05**
